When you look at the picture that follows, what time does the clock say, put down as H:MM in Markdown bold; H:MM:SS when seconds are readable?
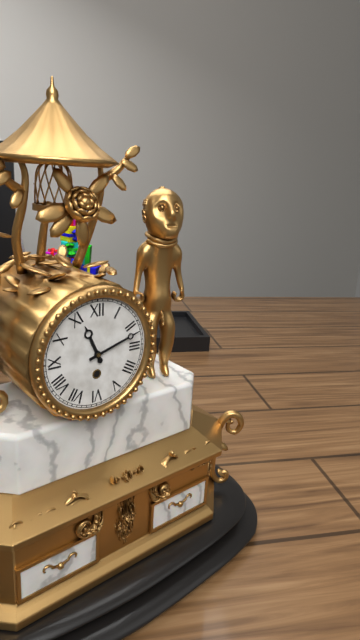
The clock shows **11:12**
